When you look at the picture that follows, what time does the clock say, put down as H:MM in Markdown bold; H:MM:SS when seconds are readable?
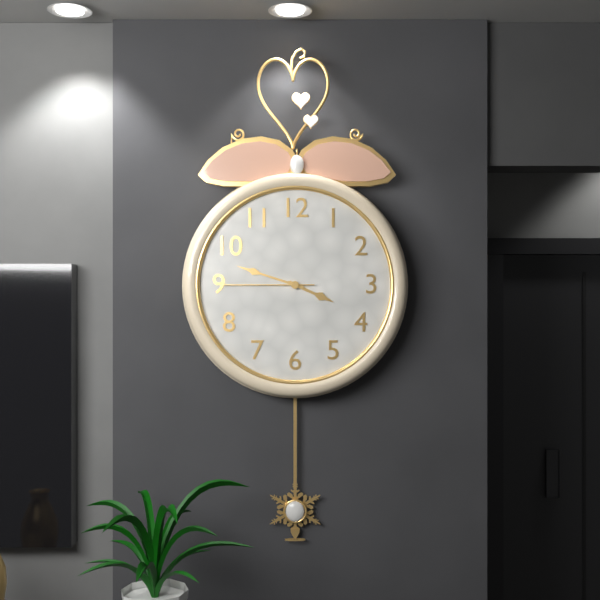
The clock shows **3:48:45**
